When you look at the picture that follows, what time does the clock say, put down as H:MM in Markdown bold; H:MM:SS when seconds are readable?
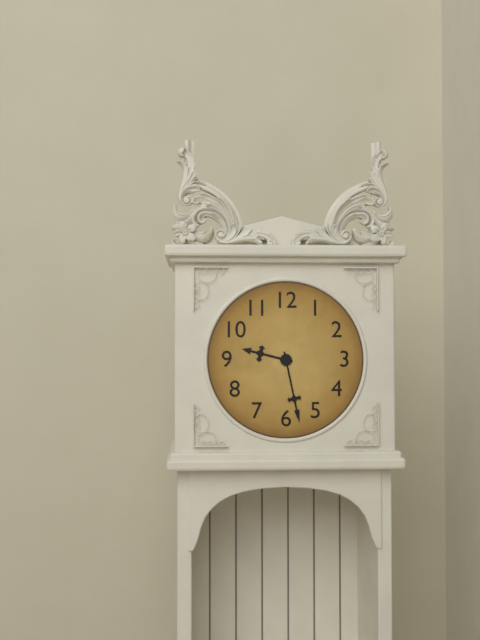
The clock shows **9:28**
